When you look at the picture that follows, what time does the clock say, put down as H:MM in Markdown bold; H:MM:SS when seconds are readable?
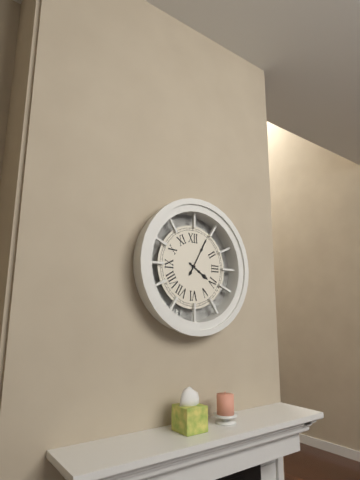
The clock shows **4:05**
